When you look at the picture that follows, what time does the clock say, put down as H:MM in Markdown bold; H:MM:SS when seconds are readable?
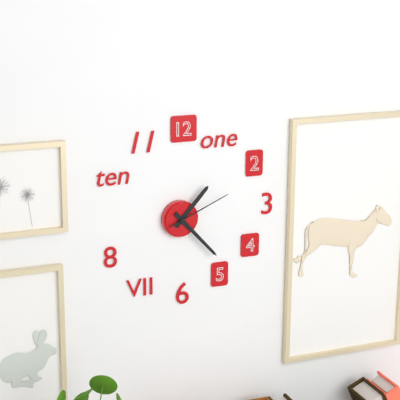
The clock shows **1:23:11**
